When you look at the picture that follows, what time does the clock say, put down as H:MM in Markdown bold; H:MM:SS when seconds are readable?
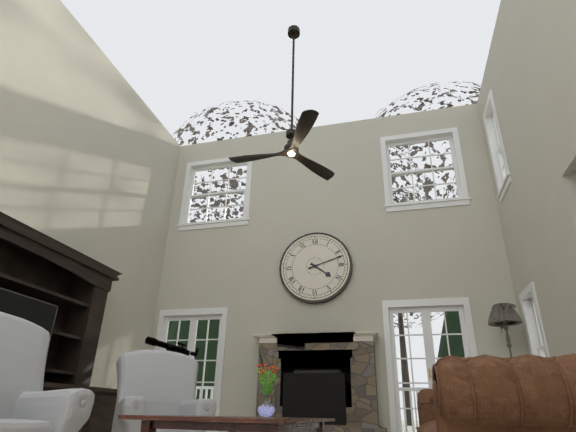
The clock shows **4:12**
